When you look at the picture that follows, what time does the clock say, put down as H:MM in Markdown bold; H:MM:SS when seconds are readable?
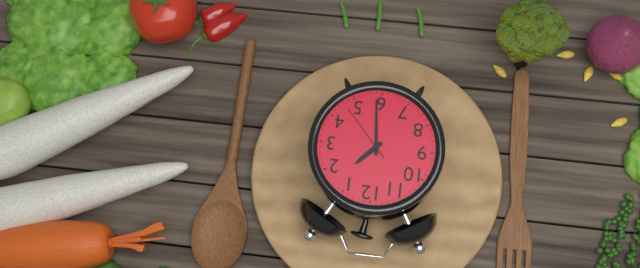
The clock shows **1:29:23**
